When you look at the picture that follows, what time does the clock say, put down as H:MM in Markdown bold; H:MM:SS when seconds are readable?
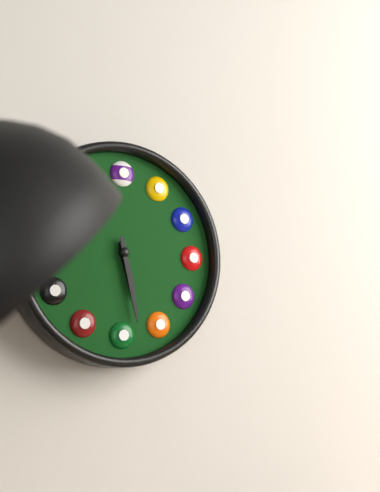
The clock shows **5:28**
